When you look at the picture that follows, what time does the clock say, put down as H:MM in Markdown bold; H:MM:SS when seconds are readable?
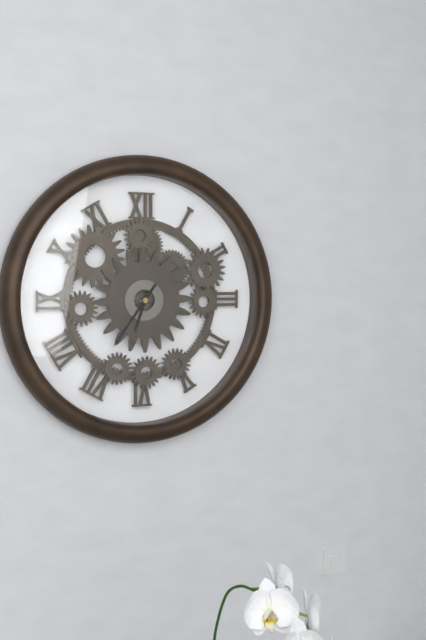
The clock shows **6:36**
